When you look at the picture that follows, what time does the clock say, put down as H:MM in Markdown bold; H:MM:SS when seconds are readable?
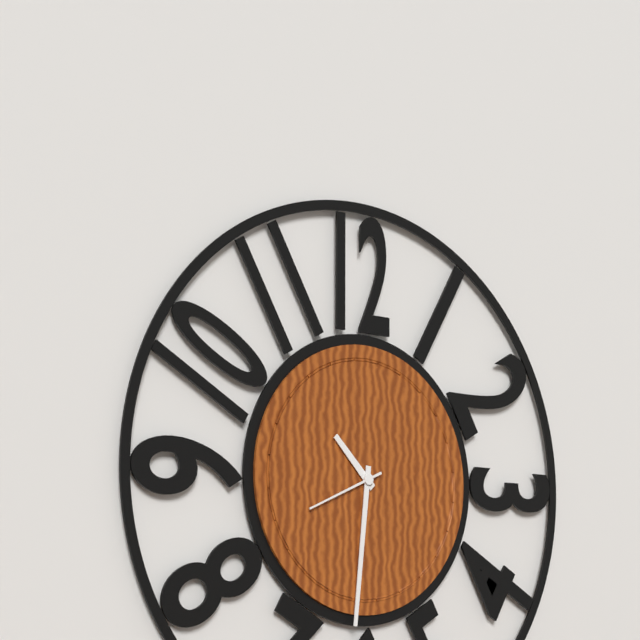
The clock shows **10:31:41**
